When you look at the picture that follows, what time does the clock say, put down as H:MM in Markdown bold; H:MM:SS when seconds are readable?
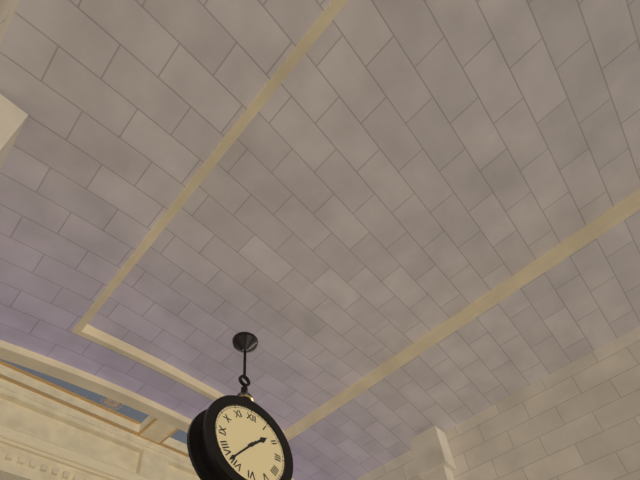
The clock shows **1:37**
